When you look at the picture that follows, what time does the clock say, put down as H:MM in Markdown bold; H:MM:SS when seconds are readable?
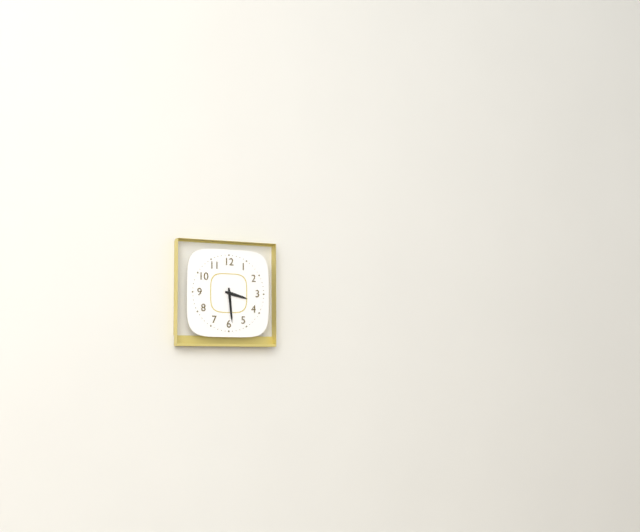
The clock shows **3:29**
